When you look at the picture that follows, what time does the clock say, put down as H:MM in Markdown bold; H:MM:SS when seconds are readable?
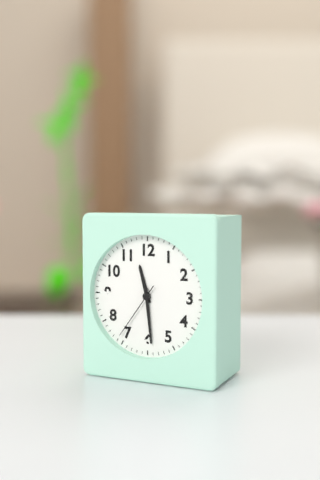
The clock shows **11:29:36**
